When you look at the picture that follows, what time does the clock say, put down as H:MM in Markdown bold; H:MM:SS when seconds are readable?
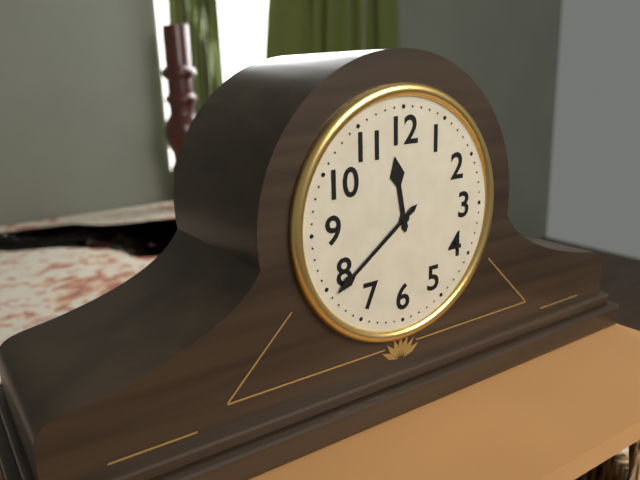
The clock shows **11:39**
